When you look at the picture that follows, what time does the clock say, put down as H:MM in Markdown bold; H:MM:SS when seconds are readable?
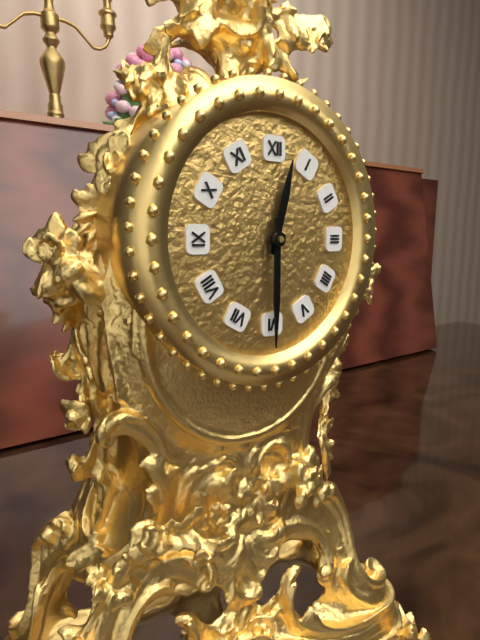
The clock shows **12:30**
